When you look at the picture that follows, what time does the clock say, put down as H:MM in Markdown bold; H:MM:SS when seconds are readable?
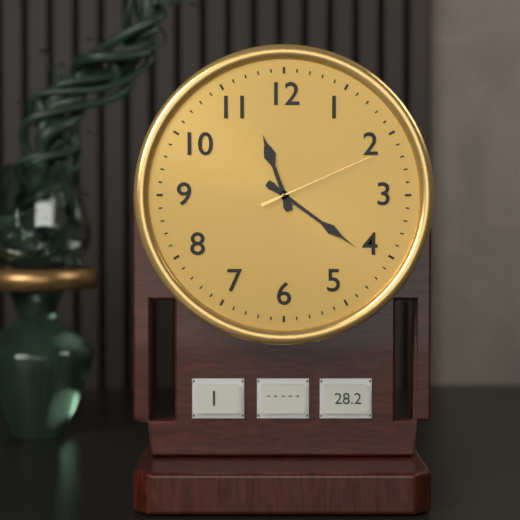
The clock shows **11:21:11**
